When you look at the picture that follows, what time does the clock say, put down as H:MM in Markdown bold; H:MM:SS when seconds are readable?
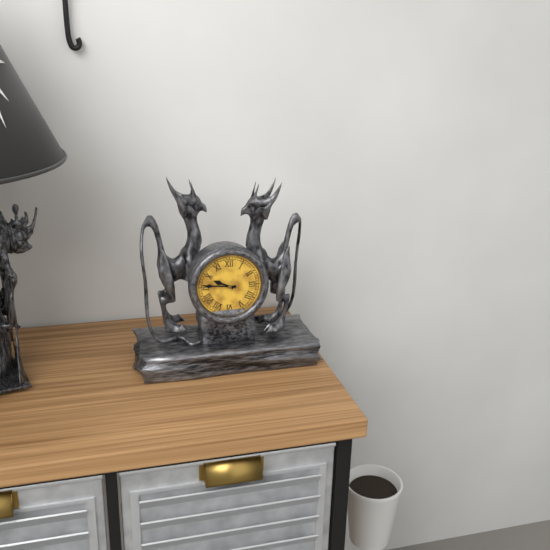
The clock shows **9:46**
